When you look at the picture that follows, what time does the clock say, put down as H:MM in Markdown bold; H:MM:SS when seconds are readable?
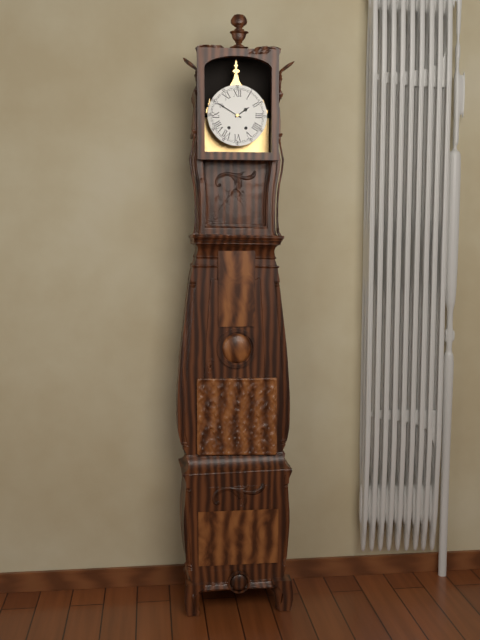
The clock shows **1:50**
